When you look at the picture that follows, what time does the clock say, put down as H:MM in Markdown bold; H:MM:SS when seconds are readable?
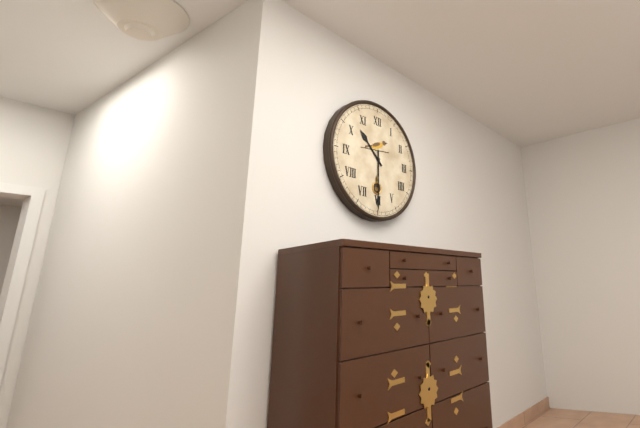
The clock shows **10:30**
